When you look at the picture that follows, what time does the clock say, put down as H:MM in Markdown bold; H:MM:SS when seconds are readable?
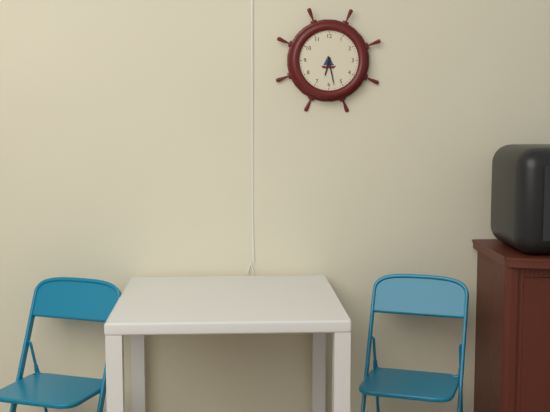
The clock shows **6:28**
